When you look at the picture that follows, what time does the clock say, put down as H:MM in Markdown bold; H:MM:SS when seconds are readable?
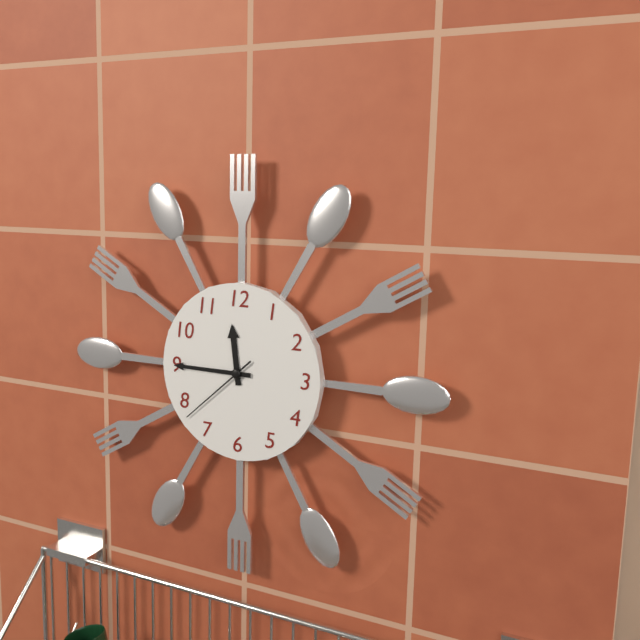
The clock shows **11:45:38**
